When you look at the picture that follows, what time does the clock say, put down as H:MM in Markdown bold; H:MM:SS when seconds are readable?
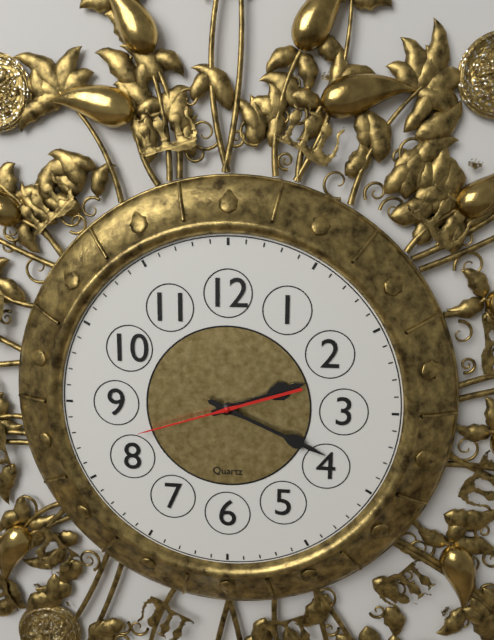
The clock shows **2:19:42**
